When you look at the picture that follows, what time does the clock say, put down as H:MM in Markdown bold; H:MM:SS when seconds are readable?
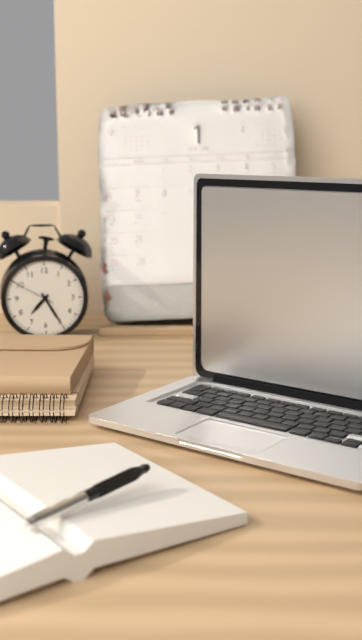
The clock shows **7:25**
